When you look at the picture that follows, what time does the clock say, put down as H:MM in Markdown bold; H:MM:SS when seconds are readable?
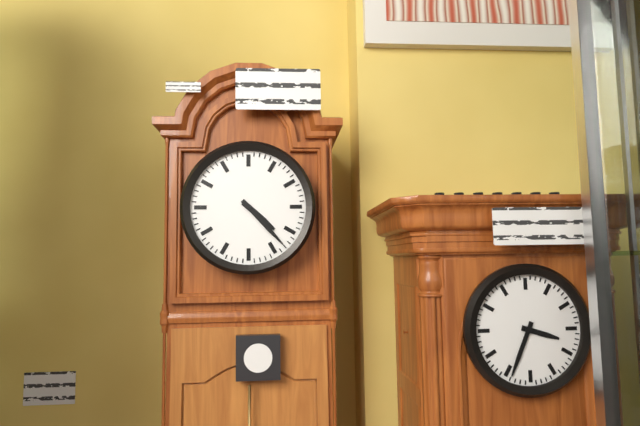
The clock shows **4:23**
